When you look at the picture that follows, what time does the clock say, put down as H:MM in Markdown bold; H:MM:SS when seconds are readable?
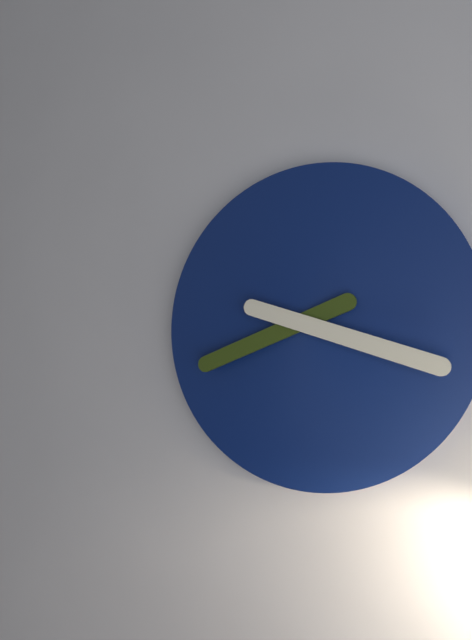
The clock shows **8:18**
